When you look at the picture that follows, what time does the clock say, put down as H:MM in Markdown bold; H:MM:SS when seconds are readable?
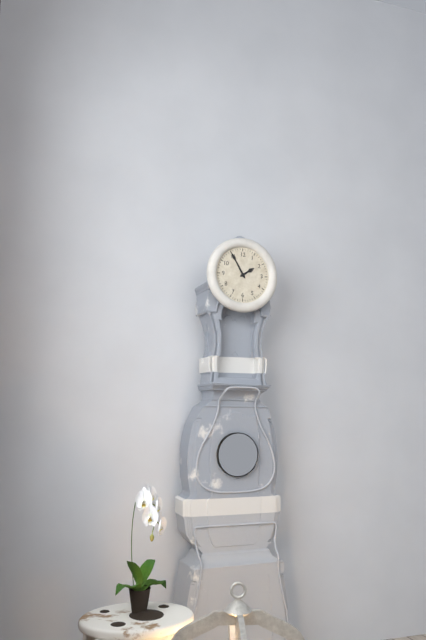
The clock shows **1:55**
